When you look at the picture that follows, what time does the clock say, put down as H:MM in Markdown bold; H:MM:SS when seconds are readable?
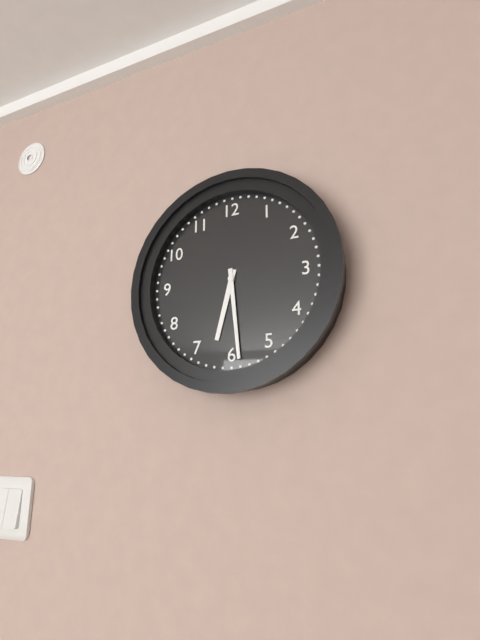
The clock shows **6:29**
